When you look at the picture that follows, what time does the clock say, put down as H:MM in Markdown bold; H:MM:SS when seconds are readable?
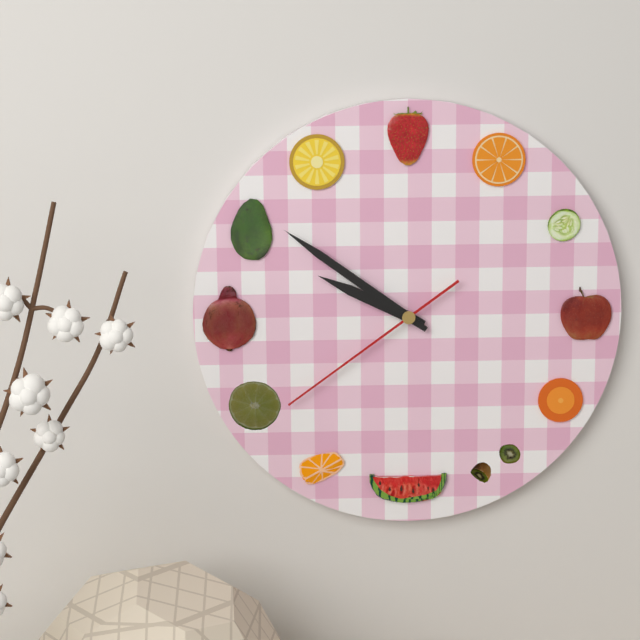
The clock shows **9:51:39**
